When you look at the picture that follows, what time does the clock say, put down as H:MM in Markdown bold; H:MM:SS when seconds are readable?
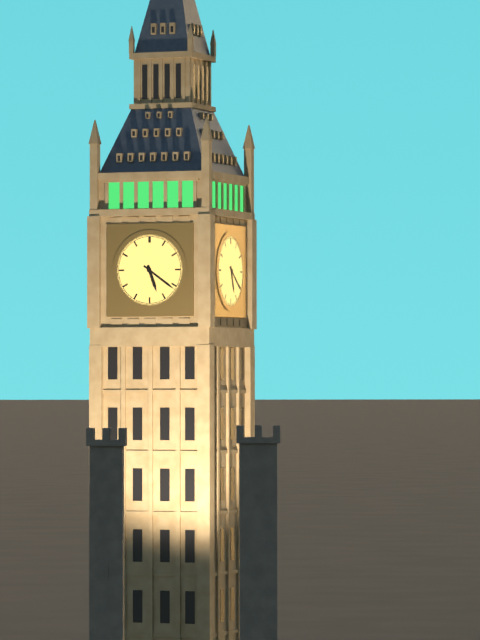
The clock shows **5:21**
